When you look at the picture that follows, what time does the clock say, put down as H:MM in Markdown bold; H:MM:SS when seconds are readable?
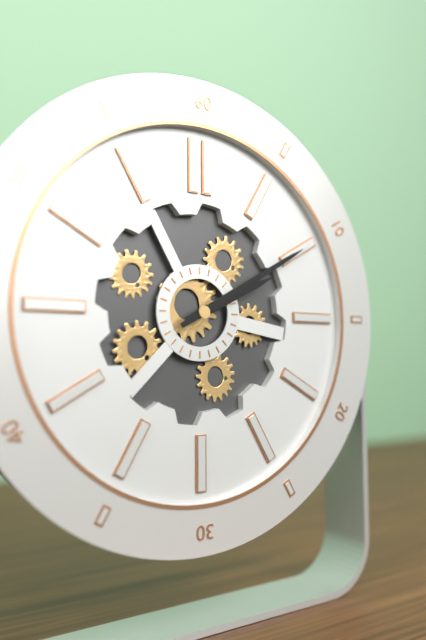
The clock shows **2:10**
